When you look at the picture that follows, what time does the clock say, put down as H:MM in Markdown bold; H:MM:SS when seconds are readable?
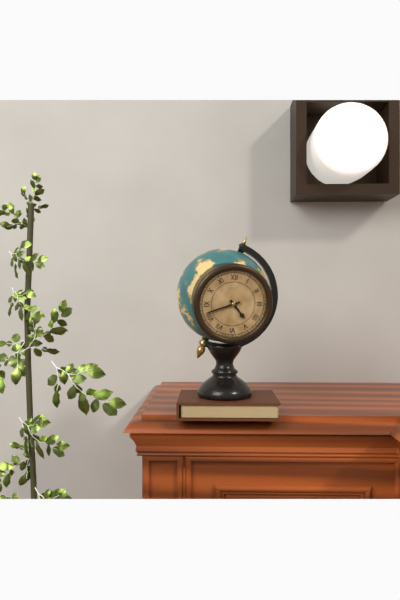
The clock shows **4:42**
